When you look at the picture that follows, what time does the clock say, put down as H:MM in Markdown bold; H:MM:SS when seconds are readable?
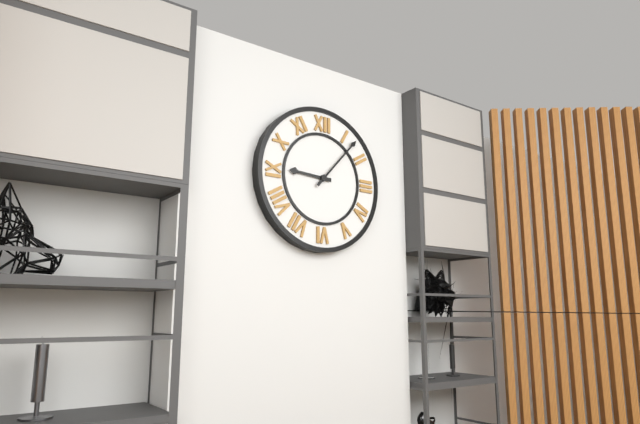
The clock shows **9:07**
